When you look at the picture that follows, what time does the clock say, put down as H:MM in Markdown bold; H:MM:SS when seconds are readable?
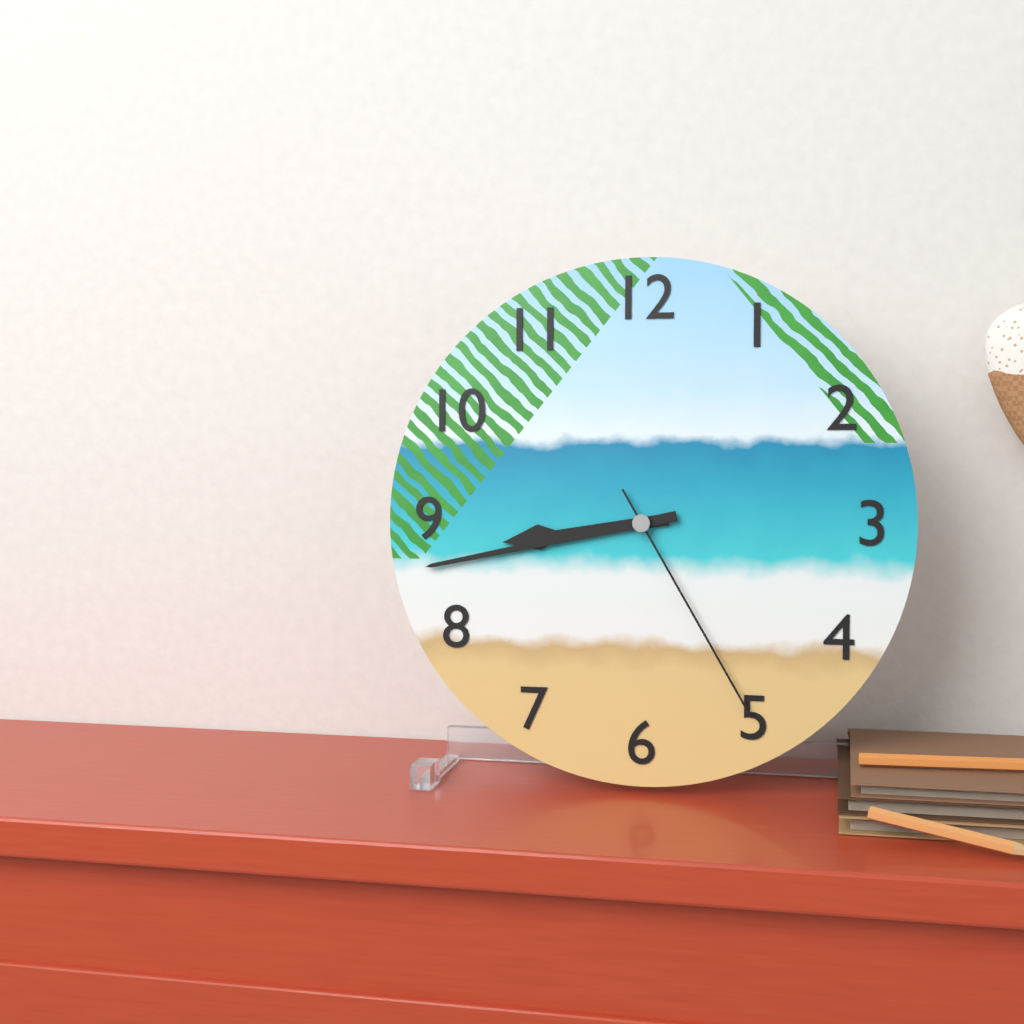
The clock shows **8:43:25**
